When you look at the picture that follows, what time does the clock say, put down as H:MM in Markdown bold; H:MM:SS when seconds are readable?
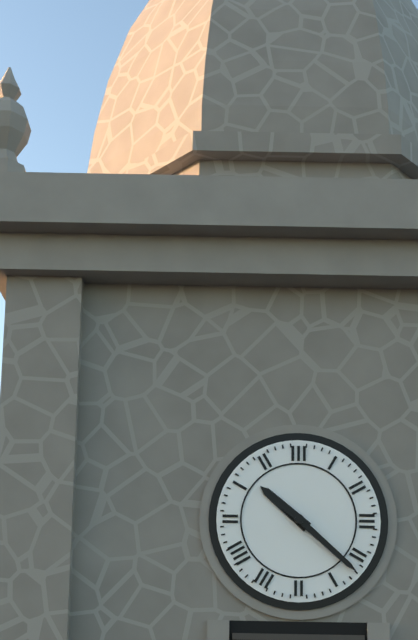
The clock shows **10:22**
